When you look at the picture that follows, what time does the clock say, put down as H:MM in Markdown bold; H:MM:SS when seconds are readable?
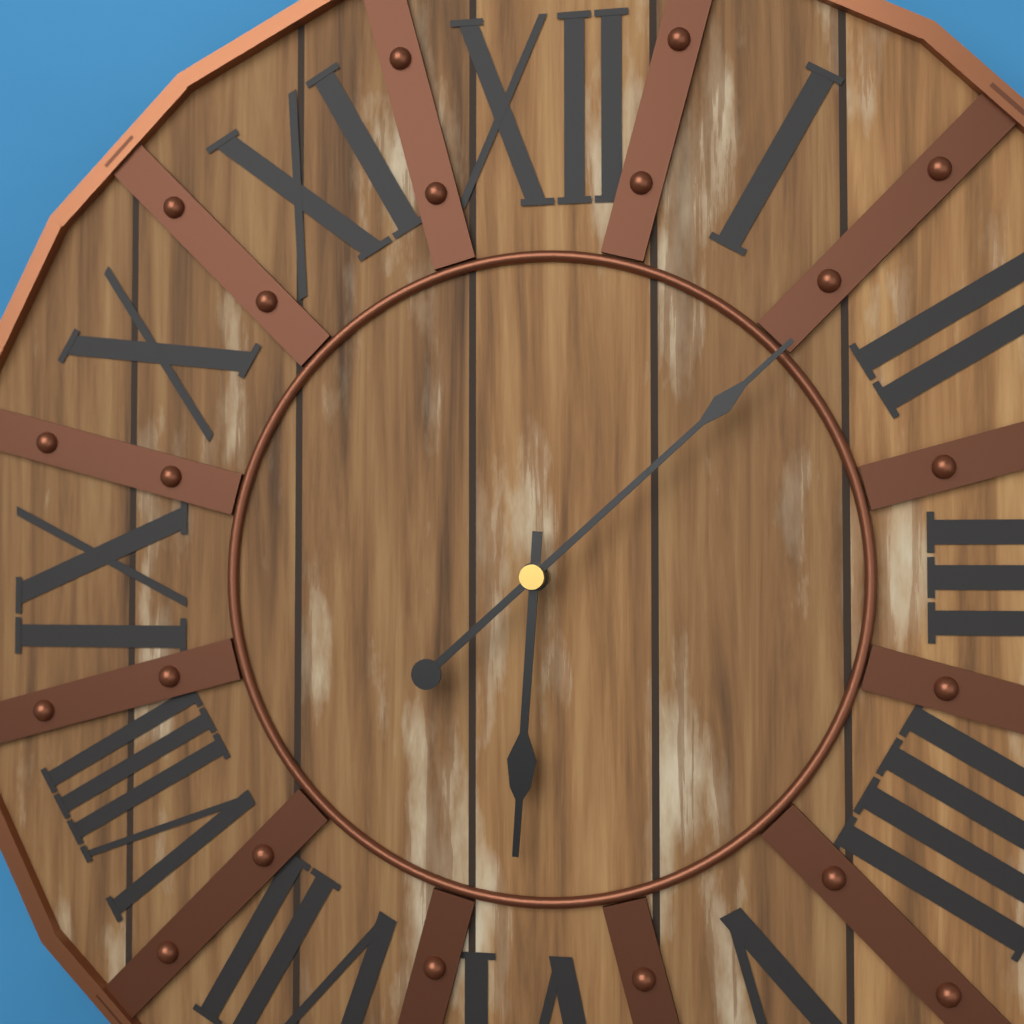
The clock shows **6:08**
